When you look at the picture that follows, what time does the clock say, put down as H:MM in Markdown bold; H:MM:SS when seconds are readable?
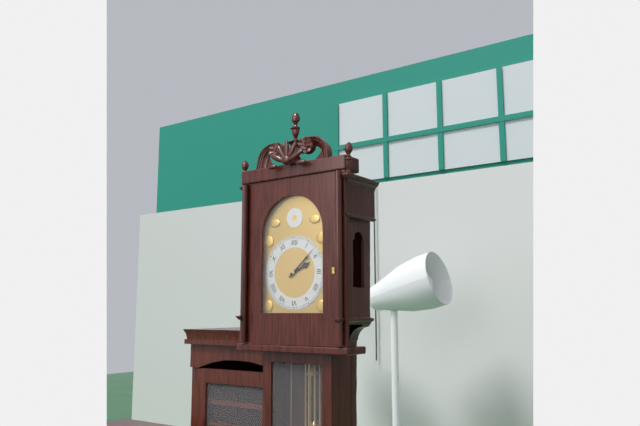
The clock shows **2:08**
